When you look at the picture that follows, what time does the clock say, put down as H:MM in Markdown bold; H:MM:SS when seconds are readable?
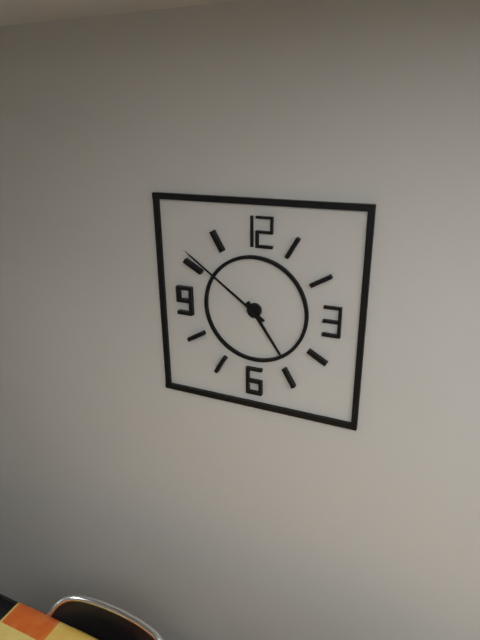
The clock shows **4:51**
